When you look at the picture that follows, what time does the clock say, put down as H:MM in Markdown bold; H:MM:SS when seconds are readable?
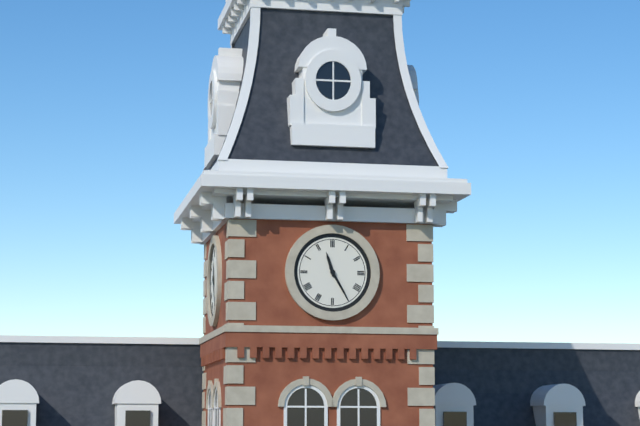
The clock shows **11:25**
